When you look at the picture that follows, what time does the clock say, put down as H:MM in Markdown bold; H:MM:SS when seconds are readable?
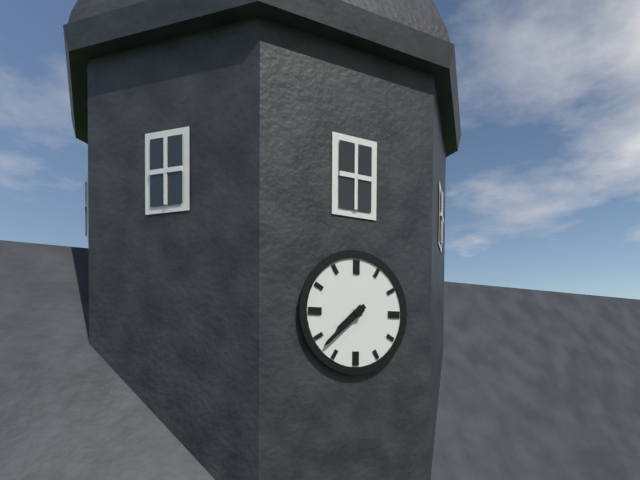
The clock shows **7:38**
